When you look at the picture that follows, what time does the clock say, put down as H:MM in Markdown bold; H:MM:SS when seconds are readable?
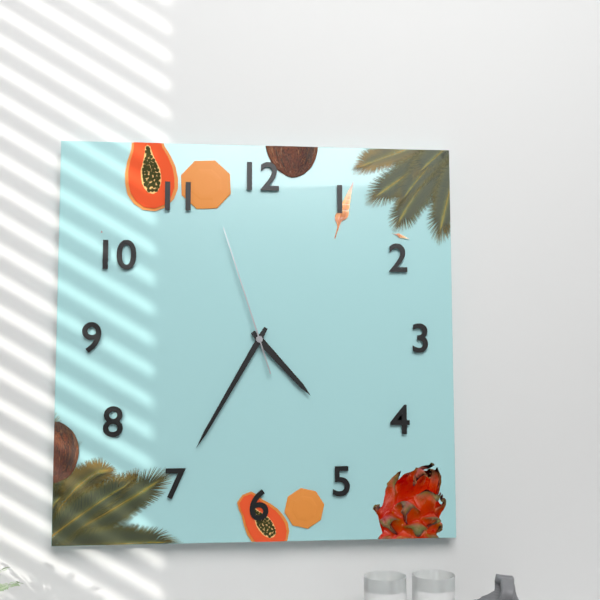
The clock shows **4:35:57**
